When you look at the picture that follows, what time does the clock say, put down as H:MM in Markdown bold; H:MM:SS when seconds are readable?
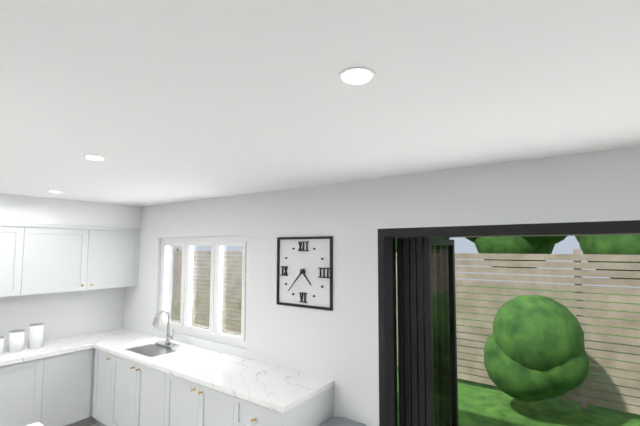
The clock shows **4:37**
